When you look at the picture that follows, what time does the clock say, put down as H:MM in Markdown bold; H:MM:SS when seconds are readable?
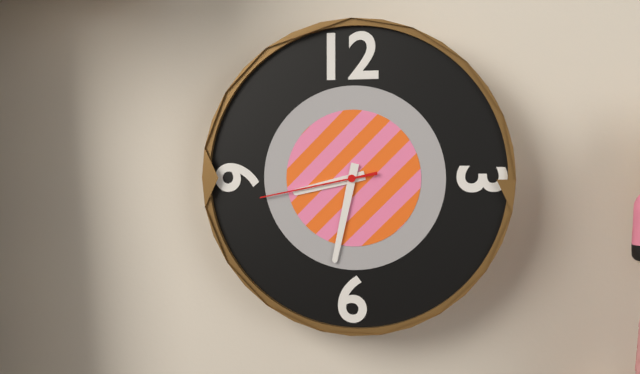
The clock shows **8:32:43**
